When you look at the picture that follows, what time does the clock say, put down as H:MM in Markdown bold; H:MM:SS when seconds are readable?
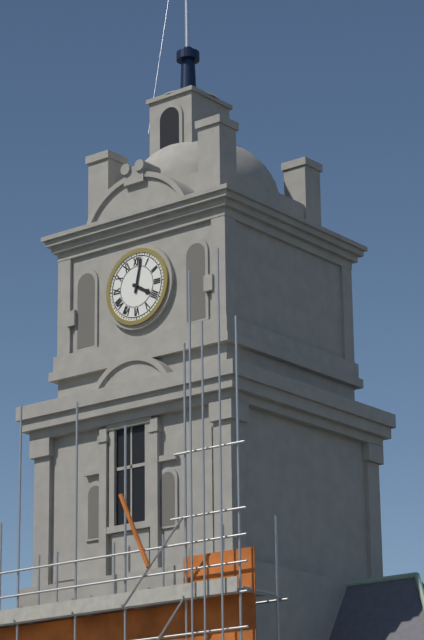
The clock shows **4:02**
